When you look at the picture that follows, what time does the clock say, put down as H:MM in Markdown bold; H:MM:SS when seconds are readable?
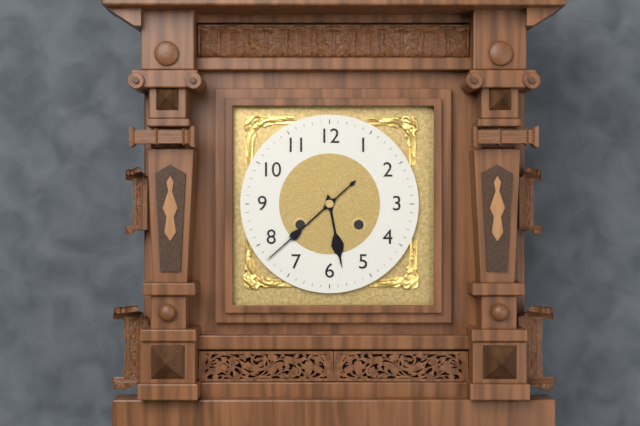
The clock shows **5:38**
